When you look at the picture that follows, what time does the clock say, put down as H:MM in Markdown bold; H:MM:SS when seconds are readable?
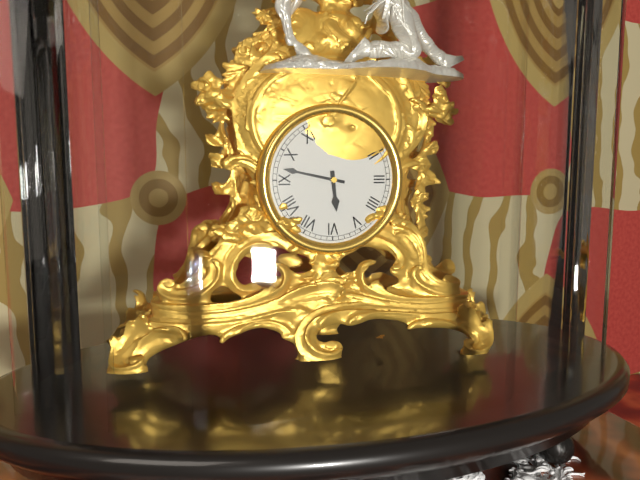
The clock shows **5:47**
